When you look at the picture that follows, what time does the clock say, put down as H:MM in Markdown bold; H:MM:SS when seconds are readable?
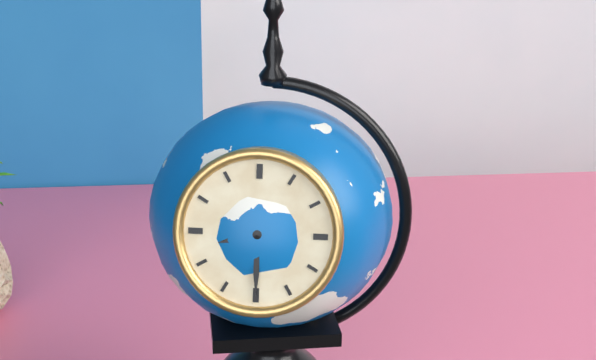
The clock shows **8:30**
